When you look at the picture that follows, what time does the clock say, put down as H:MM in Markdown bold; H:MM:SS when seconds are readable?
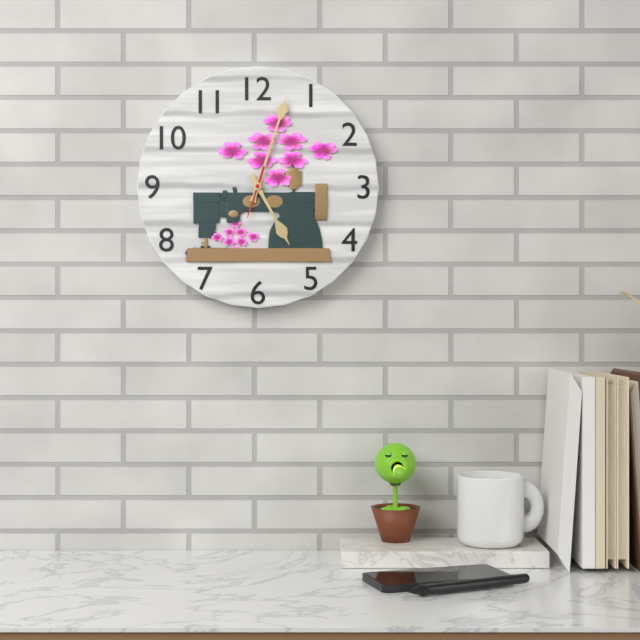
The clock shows **5:03**
